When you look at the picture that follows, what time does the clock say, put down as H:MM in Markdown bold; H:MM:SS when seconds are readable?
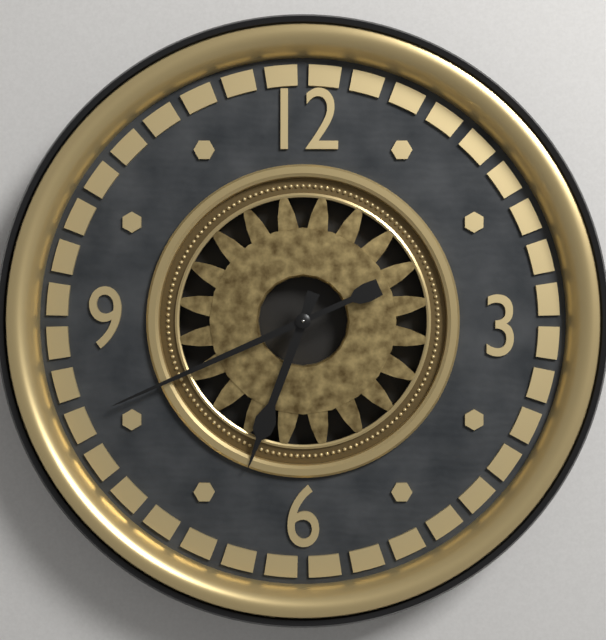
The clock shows **6:41**
